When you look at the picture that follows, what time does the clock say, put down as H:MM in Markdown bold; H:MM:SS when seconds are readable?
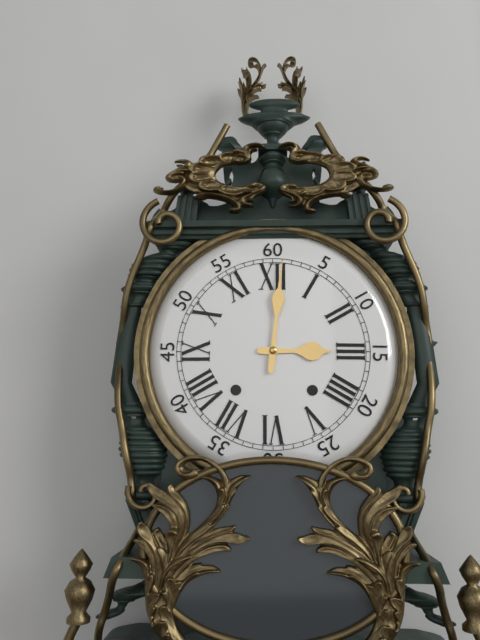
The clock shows **3:01**
